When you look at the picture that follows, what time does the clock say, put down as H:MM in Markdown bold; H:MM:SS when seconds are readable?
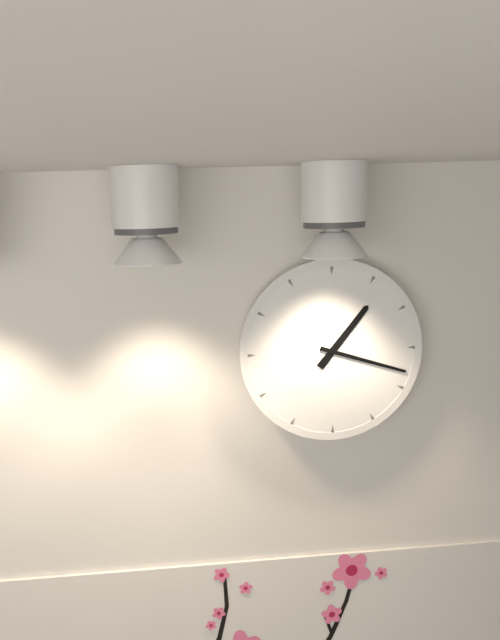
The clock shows **1:18**
